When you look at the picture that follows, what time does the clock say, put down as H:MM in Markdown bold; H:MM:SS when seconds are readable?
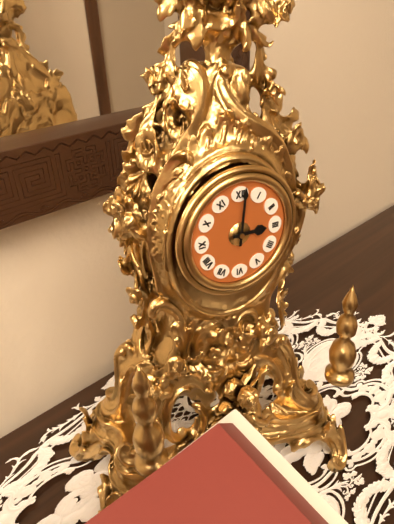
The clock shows **3:01**
